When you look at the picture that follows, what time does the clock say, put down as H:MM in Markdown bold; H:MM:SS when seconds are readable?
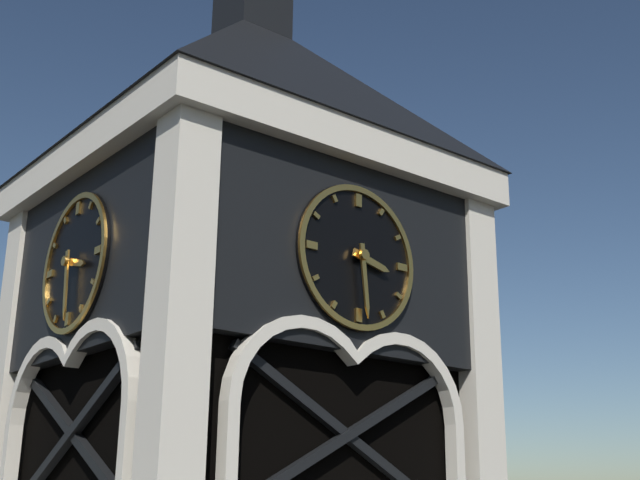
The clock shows **3:29**
